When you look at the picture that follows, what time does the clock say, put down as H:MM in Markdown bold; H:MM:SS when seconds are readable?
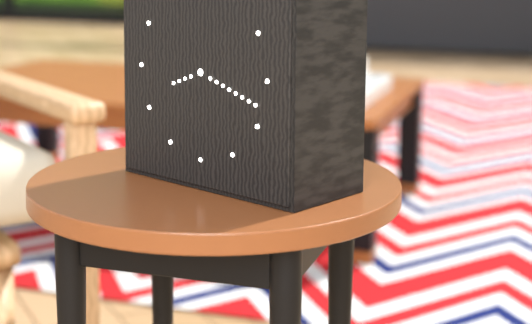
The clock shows **8:18**
